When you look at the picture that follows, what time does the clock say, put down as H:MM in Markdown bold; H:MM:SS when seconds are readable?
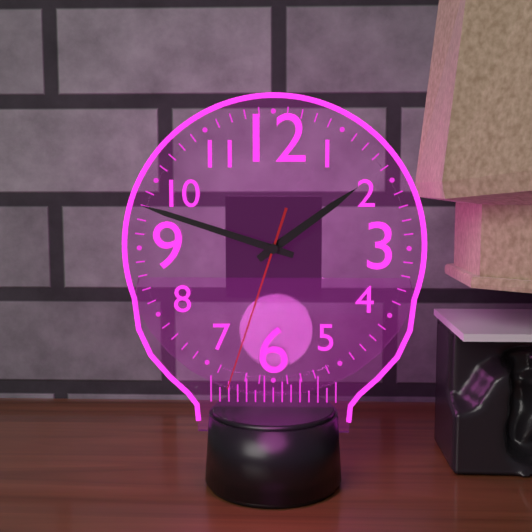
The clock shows **1:48:33**
